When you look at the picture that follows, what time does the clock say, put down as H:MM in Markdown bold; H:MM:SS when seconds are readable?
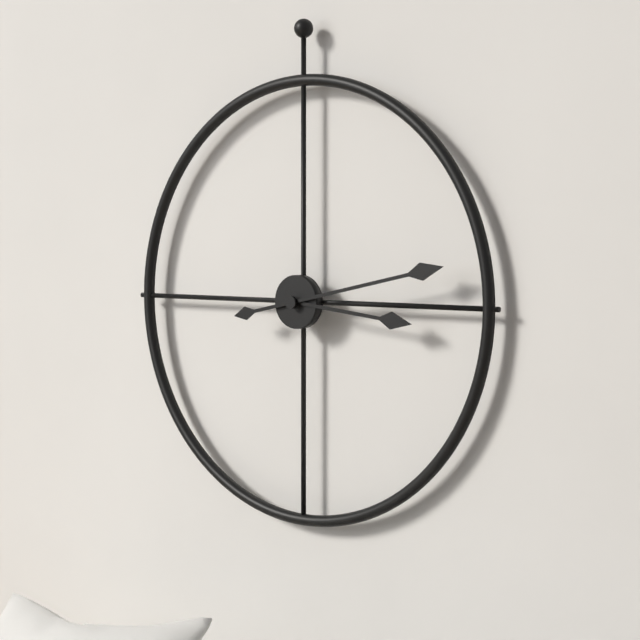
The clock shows **3:13**
